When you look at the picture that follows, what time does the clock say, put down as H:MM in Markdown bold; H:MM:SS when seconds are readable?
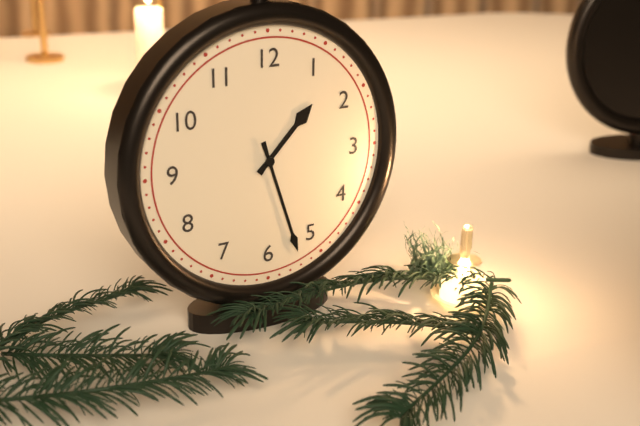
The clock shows **1:27**
